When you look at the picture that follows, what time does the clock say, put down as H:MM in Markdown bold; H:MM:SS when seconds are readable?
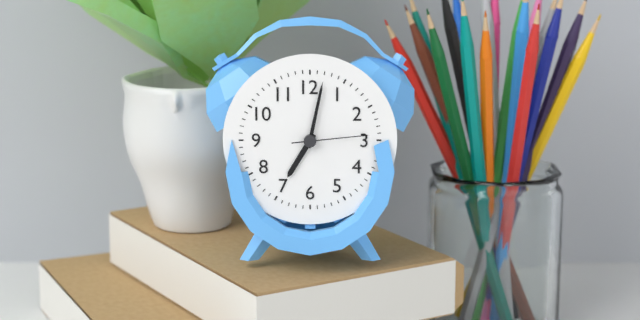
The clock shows **7:02:14**
